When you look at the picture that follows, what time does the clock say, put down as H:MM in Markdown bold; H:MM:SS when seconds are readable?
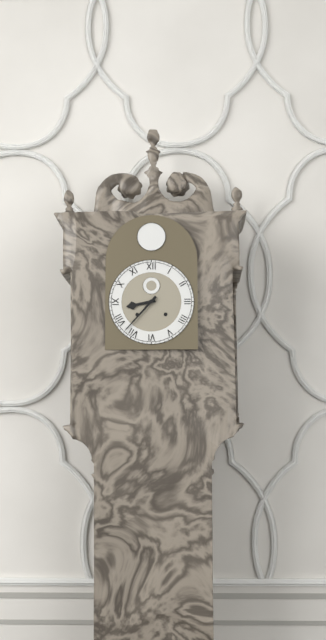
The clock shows **8:37**
